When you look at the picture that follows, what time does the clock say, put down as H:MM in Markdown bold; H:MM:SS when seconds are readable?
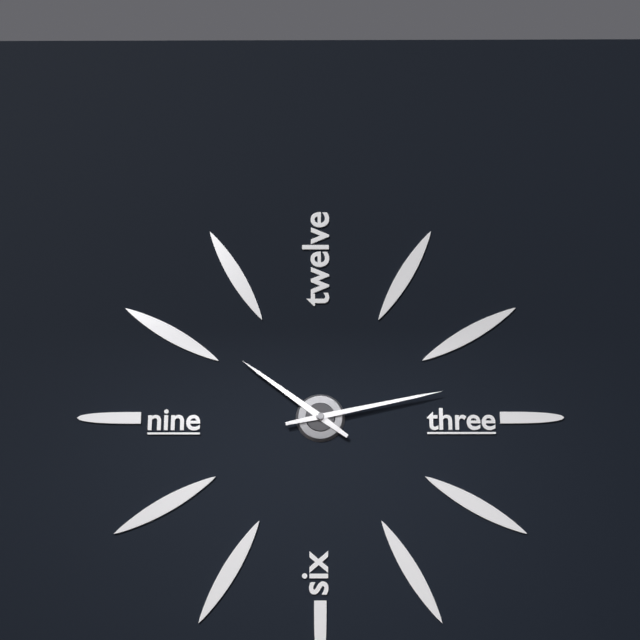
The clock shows **10:13**
